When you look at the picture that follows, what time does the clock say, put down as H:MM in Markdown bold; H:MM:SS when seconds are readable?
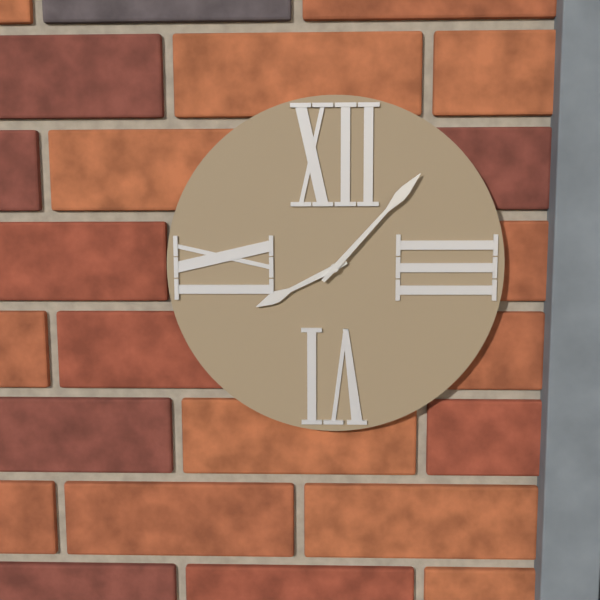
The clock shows **8:07**
